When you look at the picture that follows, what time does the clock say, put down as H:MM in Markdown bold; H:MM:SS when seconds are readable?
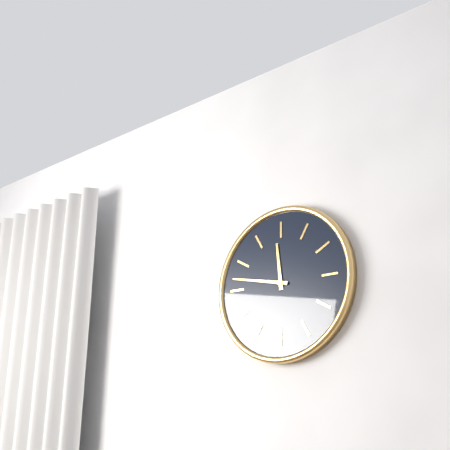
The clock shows **11:47**
